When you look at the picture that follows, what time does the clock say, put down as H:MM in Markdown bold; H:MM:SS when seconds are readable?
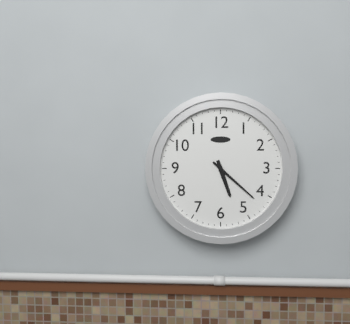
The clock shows **5:22**
